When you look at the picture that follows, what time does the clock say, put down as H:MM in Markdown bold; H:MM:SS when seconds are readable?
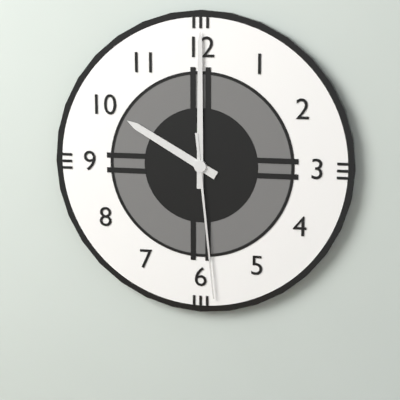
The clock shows **10:00:29**
